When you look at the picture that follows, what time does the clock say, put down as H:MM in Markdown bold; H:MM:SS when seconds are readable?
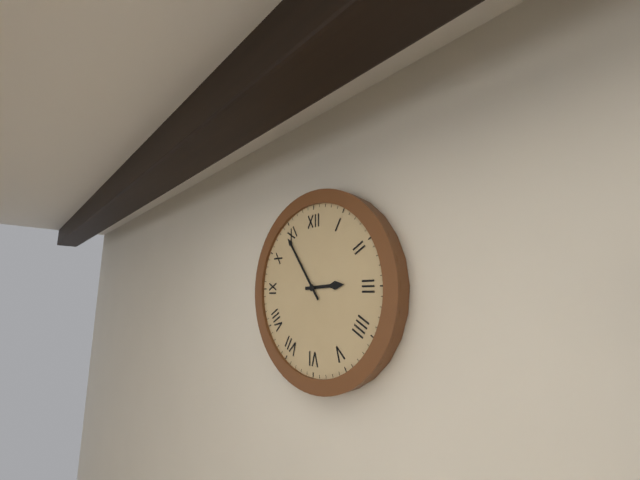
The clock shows **2:54**
